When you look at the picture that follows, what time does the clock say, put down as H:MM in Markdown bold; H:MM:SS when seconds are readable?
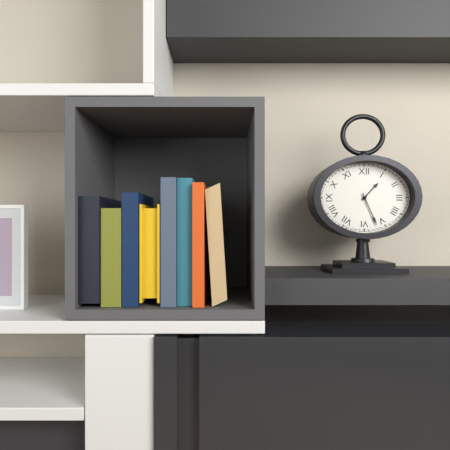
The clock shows **1:26**
